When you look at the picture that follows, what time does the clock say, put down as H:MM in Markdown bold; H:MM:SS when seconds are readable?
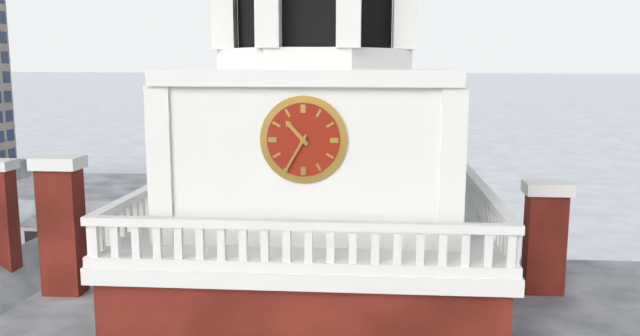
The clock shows **10:35**
